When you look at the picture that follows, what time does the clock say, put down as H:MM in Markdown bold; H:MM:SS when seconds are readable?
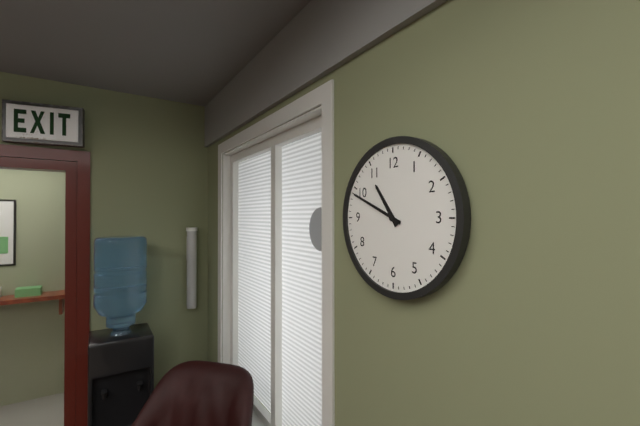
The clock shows **10:49**
